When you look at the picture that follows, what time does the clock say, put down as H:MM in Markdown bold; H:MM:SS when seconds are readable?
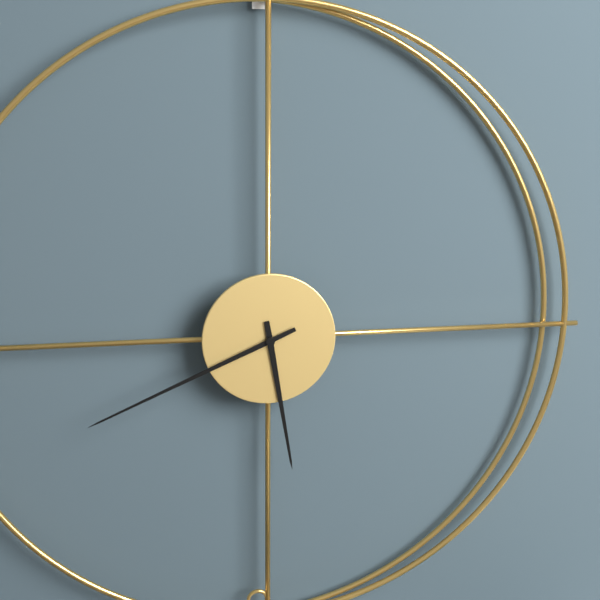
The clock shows **5:41**
